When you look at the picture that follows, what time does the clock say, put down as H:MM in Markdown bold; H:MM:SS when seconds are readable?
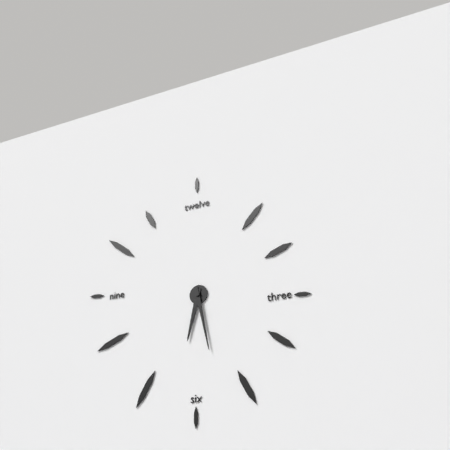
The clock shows **6:28**
